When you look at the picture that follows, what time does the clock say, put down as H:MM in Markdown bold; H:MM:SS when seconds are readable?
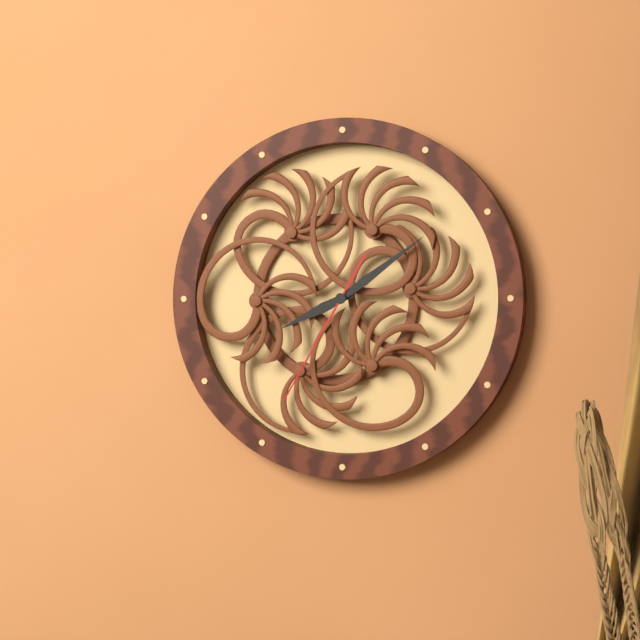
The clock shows **8:09:35**
